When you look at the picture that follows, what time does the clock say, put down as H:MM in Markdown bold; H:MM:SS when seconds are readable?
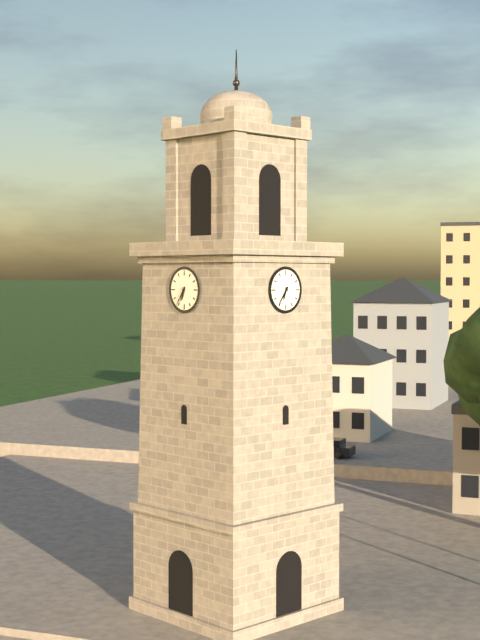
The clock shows **6:36**
